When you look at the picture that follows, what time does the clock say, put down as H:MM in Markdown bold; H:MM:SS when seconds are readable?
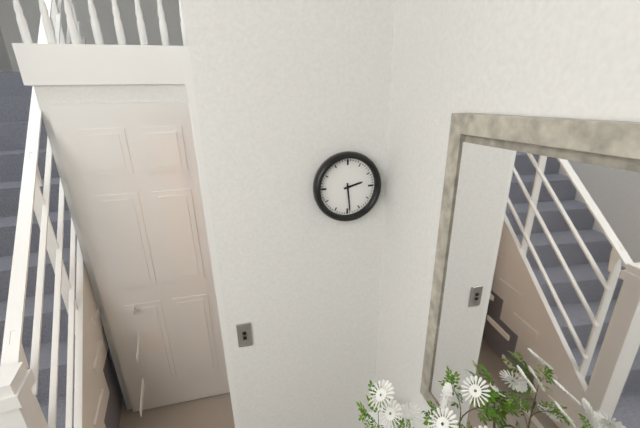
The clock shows **2:29**
